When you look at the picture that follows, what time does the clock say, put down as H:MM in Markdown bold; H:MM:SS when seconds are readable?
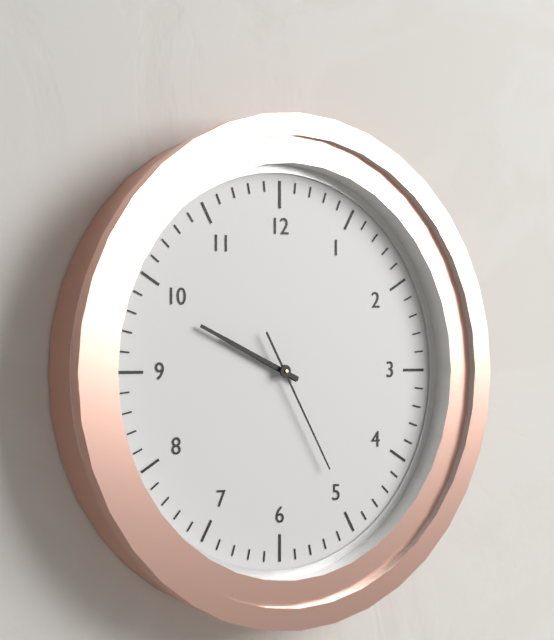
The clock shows **9:49:25**
